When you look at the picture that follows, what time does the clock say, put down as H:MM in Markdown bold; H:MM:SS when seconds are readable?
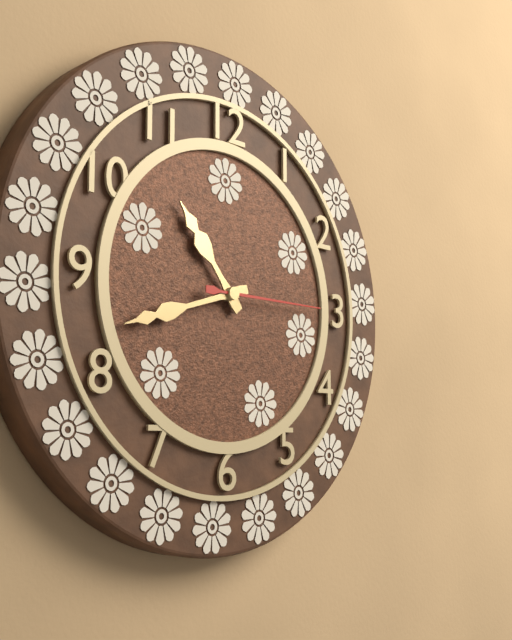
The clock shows **10:42:15**
